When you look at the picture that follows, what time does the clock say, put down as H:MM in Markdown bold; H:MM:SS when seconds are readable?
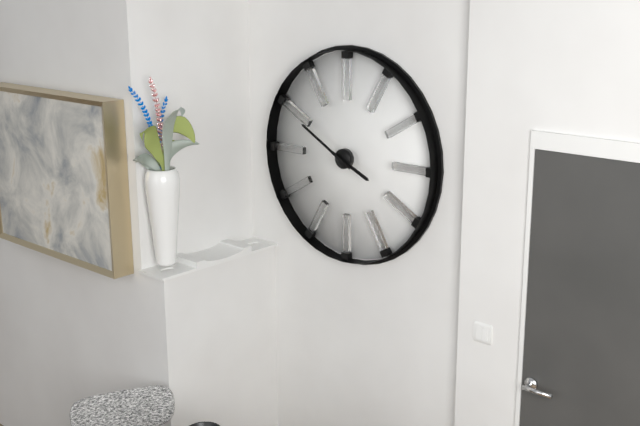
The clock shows **3:50**
